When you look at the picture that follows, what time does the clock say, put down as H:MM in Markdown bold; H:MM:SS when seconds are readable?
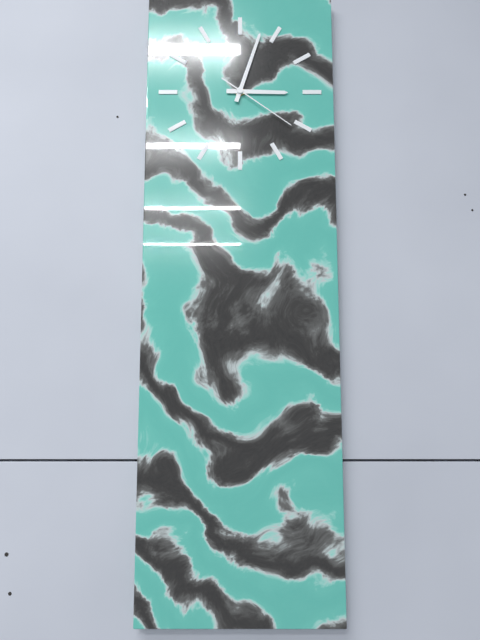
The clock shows **3:03:21**
